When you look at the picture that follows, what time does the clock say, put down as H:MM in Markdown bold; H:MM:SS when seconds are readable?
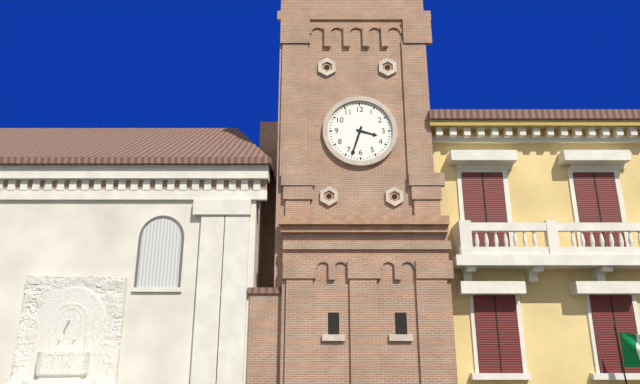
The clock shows **3:33**
